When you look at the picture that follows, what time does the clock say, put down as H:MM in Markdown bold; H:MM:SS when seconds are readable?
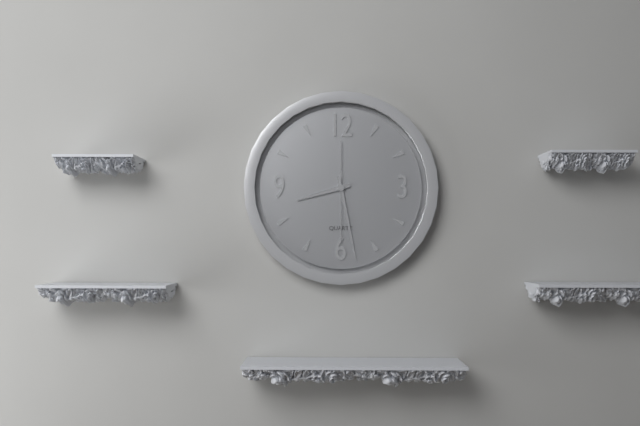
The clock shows **8:28:30**
